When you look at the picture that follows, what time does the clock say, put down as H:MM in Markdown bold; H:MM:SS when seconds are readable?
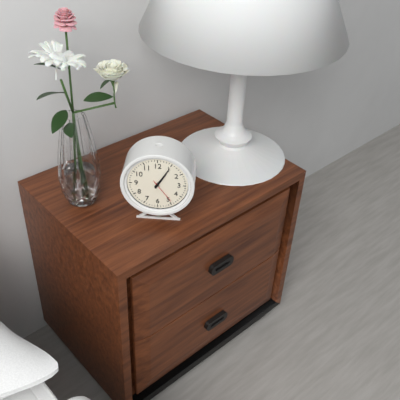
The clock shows **1:05**
